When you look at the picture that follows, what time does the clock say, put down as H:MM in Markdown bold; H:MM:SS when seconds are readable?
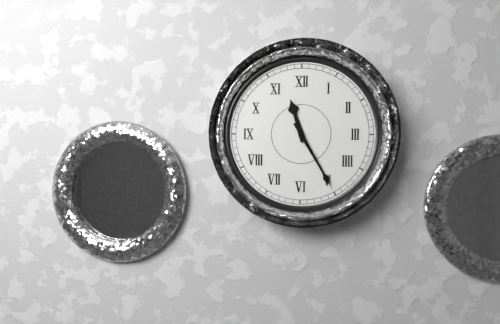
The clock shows **11:25**
